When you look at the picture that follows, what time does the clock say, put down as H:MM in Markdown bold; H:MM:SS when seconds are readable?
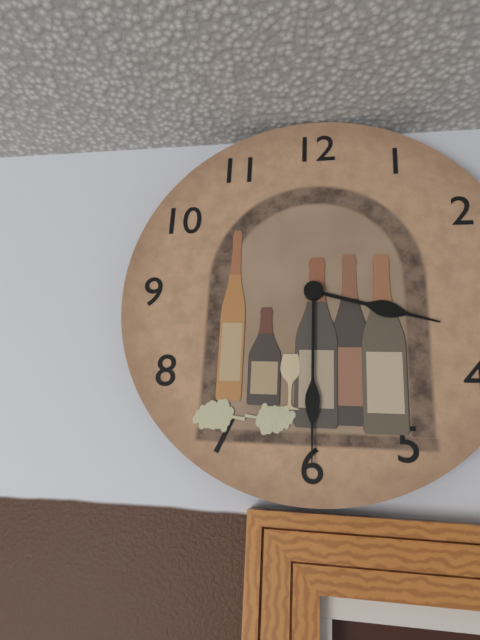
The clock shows **3:30**
